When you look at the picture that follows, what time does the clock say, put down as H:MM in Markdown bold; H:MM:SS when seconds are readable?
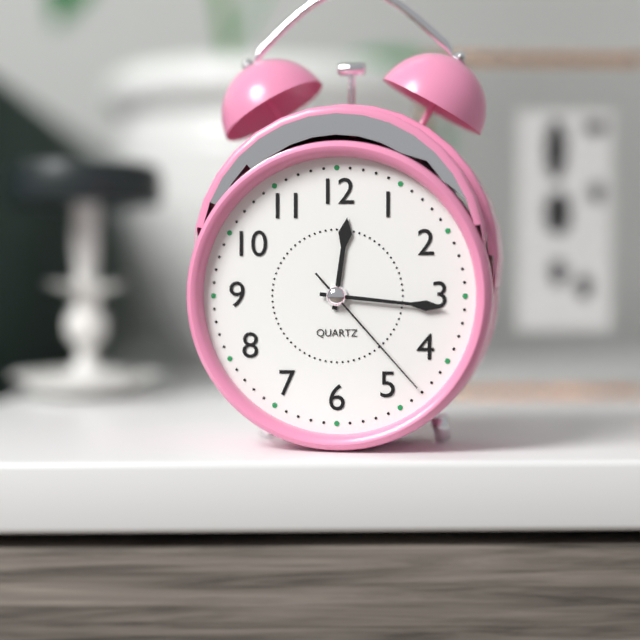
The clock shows **12:16:23**
